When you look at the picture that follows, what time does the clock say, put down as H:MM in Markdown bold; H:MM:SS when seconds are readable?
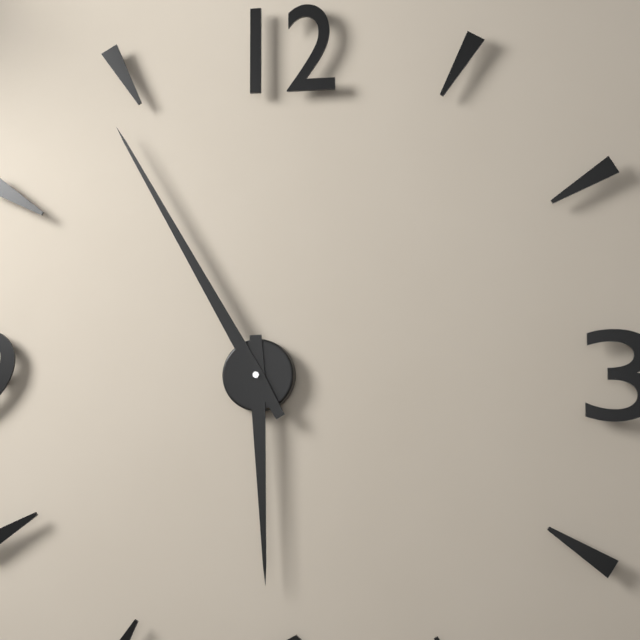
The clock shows **5:55**
